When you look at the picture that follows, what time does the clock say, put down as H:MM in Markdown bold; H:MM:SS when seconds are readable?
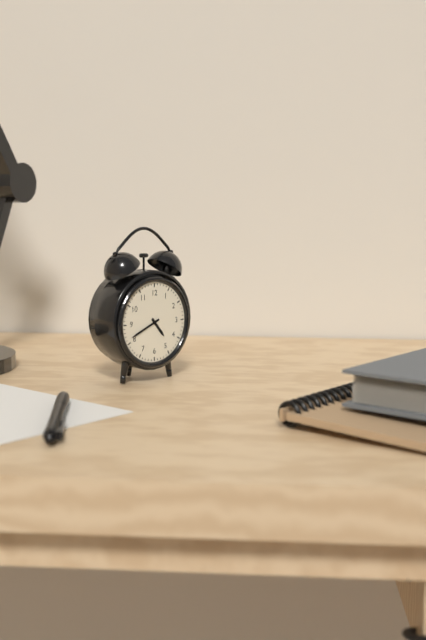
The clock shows **4:41**
